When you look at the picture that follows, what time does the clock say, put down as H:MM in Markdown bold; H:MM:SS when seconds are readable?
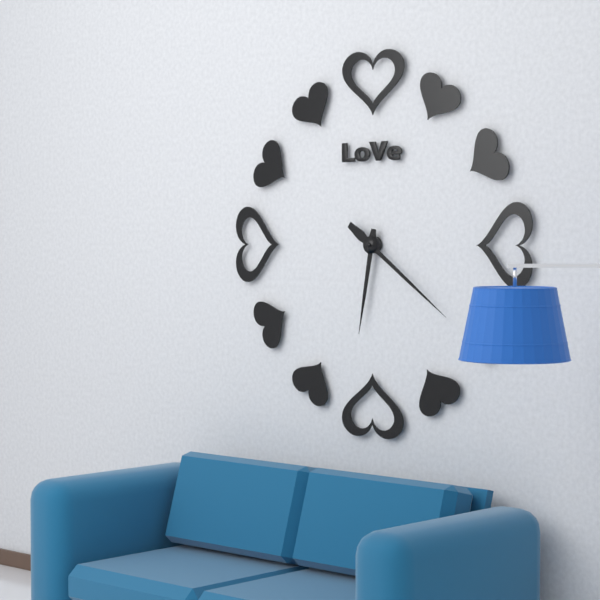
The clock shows **6:21**
